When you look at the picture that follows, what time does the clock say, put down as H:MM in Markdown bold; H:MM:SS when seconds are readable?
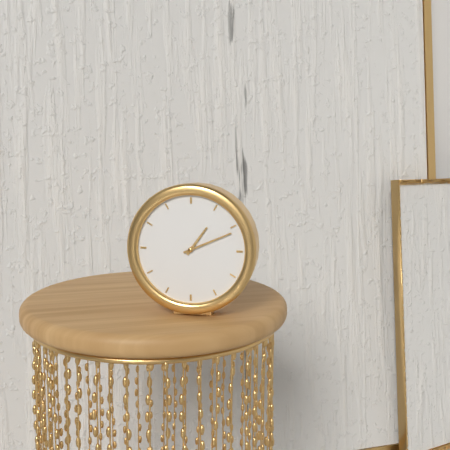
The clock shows **1:11**
